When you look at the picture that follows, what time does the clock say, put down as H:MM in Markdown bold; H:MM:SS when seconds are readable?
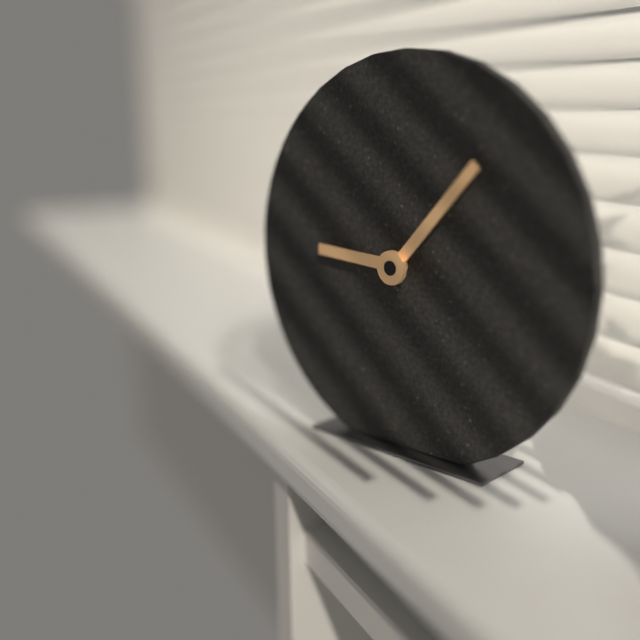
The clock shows **9:07**
